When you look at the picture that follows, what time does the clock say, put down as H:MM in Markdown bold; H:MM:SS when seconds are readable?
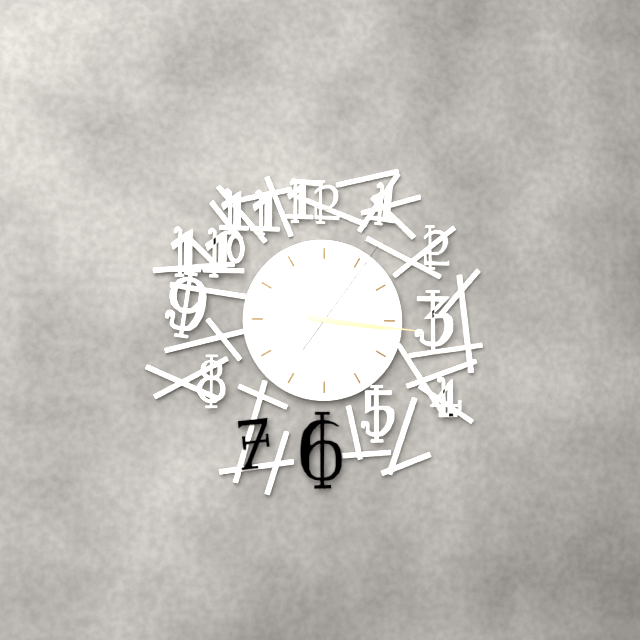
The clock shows **3:16:06**
